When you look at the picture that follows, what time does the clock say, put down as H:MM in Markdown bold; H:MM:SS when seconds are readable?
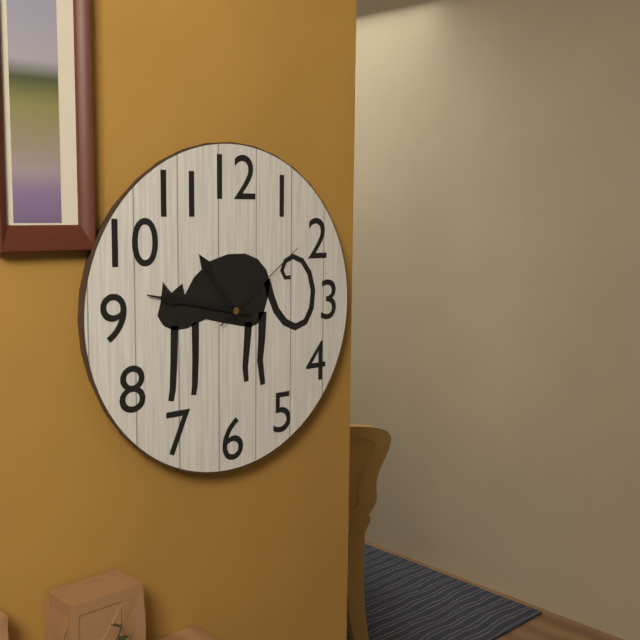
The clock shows **10:47:09**
